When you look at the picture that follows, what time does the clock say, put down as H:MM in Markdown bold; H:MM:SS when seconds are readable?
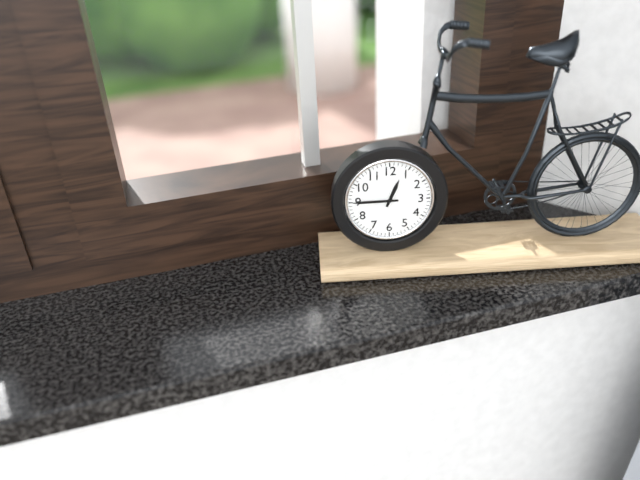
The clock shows **12:45**
